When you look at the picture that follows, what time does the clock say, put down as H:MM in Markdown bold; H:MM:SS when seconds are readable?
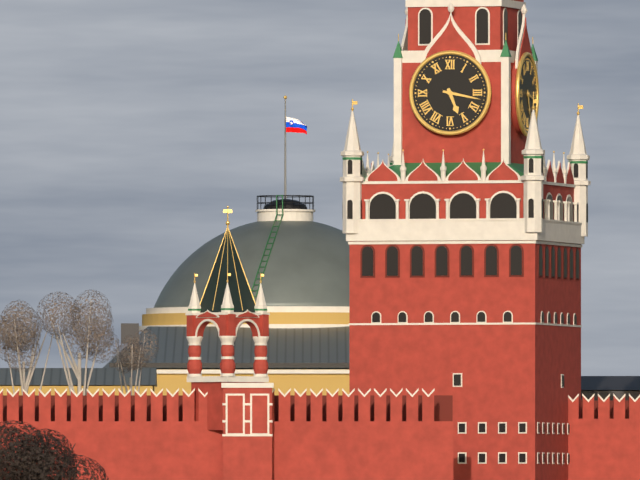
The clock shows **5:17**
